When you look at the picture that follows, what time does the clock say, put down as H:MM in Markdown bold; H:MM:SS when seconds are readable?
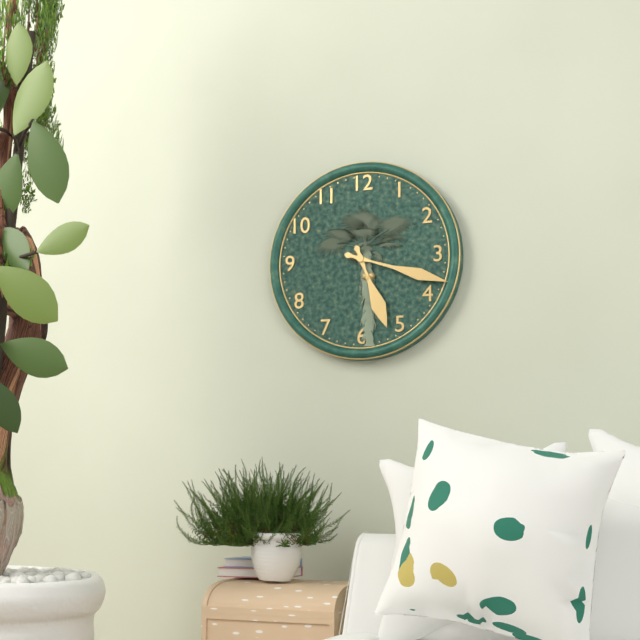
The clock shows **5:18**
